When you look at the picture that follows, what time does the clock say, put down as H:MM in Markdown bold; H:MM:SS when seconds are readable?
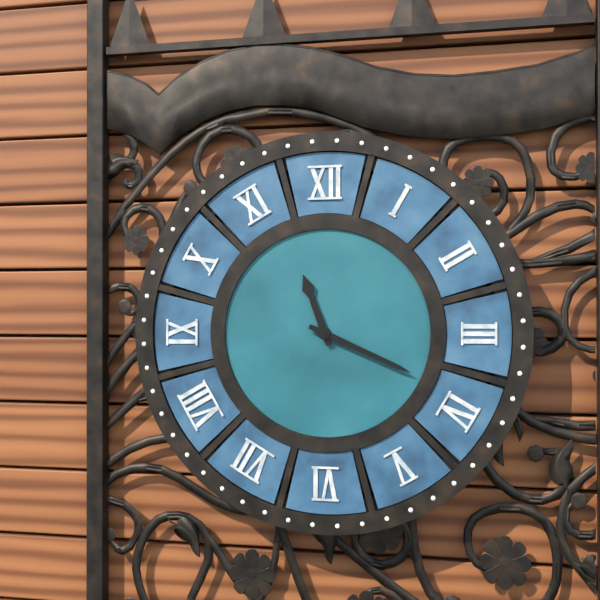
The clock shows **11:19**
